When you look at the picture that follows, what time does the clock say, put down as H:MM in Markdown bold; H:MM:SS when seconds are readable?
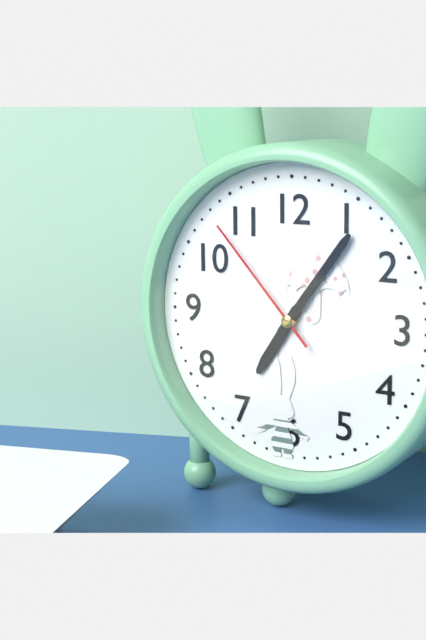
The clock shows **7:06:53**
